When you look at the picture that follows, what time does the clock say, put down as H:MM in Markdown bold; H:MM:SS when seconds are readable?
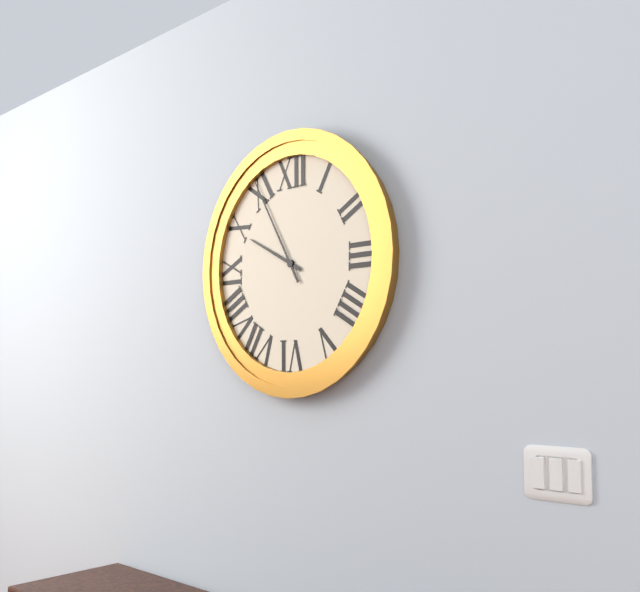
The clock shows **9:55**
